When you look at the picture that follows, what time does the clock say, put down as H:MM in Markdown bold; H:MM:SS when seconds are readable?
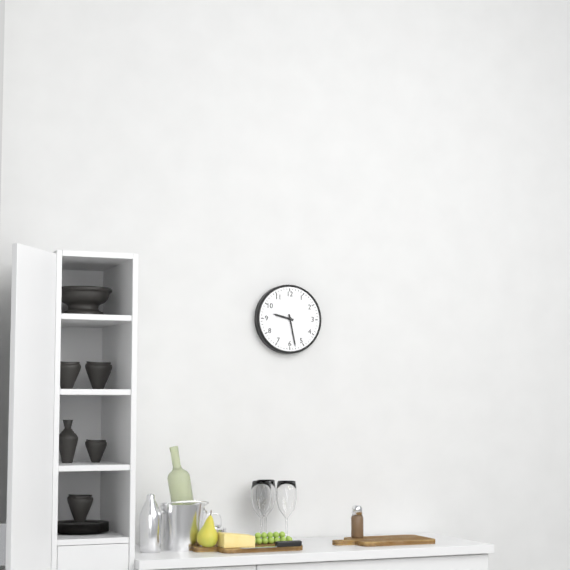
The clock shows **9:28**
